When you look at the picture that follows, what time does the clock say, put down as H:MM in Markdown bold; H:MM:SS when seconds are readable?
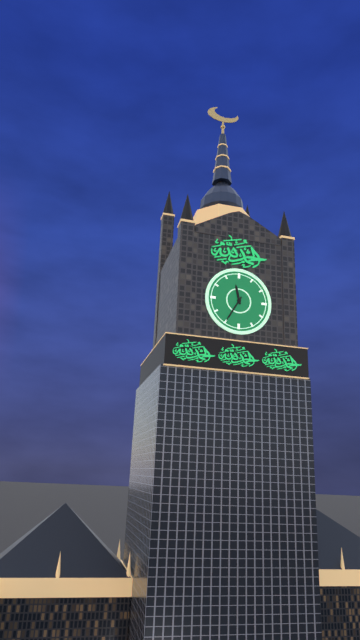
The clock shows **11:35**
